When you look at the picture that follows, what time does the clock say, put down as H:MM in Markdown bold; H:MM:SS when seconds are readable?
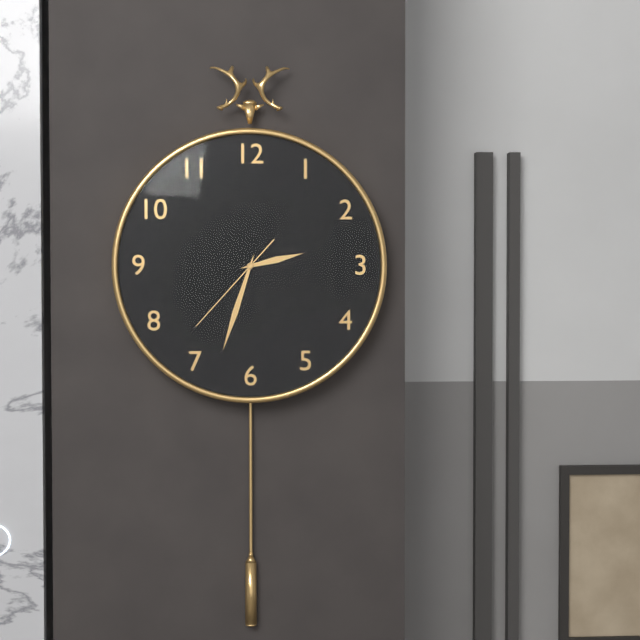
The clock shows **2:33:37**
